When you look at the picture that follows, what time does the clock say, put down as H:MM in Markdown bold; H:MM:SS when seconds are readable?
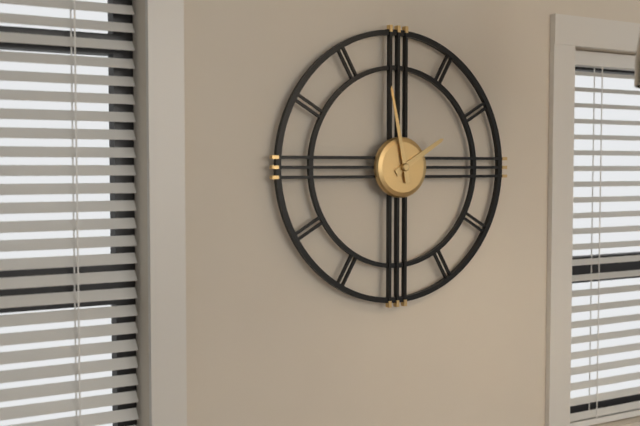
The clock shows **1:58**
